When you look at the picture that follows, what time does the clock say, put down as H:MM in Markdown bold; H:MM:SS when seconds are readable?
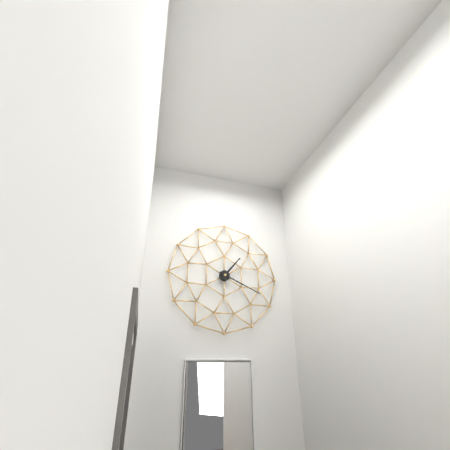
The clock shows **1:19**
